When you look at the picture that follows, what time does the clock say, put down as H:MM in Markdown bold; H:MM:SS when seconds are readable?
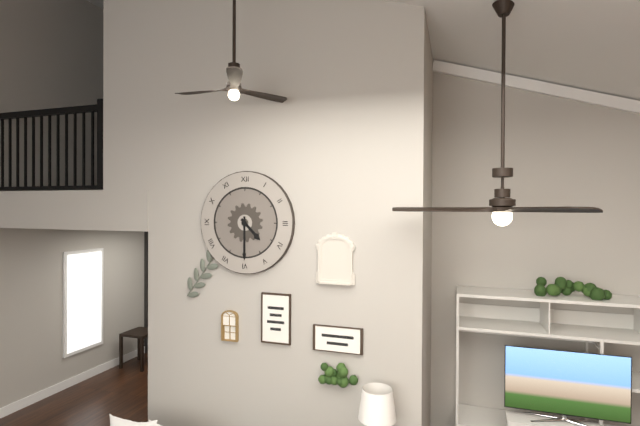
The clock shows **4:30**
